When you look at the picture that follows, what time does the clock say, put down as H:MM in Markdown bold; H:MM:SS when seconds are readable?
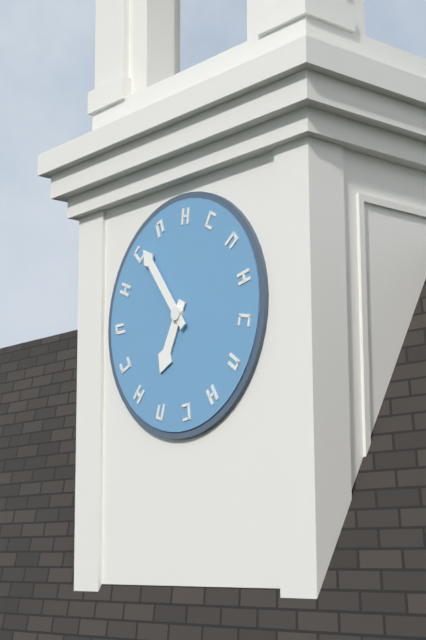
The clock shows **6:54**
